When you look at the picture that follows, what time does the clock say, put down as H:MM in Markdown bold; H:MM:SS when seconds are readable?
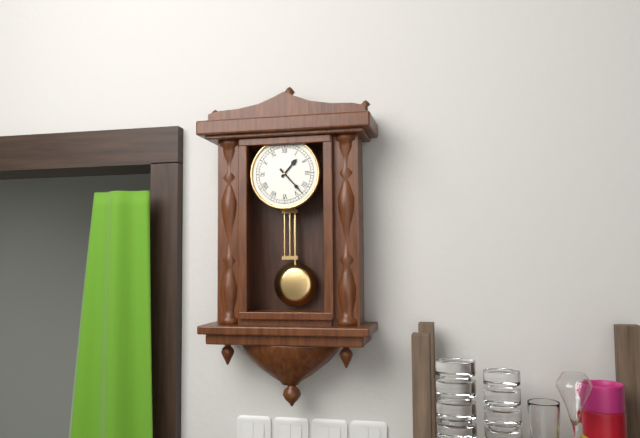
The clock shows **1:23**
